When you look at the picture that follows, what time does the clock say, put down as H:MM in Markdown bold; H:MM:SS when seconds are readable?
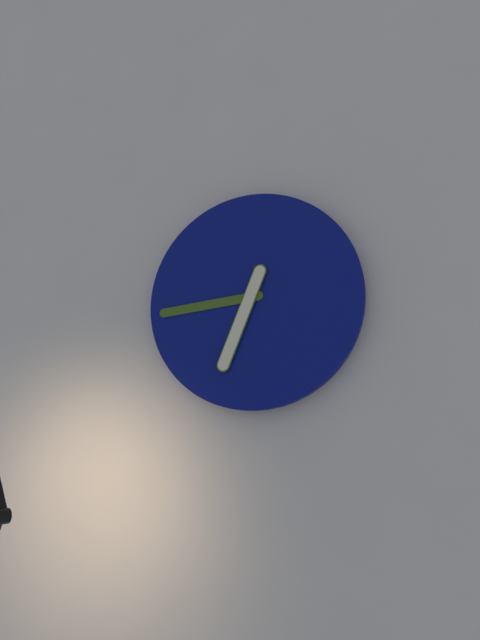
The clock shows **6:44**
